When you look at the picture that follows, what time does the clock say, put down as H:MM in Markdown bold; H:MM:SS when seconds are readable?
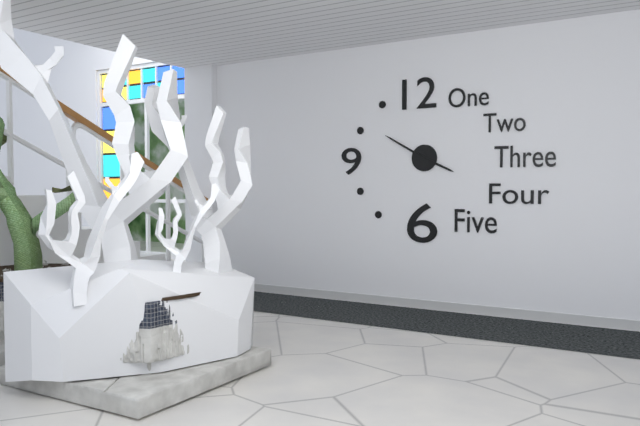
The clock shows **3:50**
